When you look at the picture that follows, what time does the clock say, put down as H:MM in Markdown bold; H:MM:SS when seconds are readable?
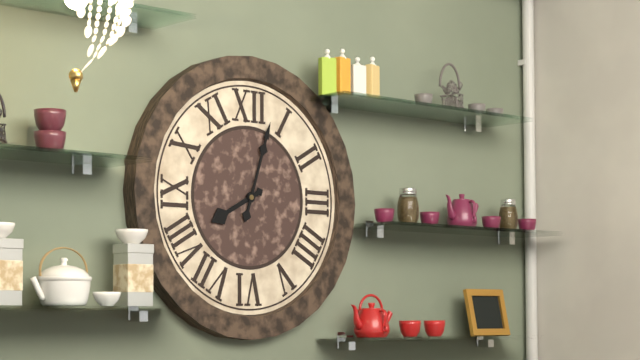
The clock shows **8:03**
